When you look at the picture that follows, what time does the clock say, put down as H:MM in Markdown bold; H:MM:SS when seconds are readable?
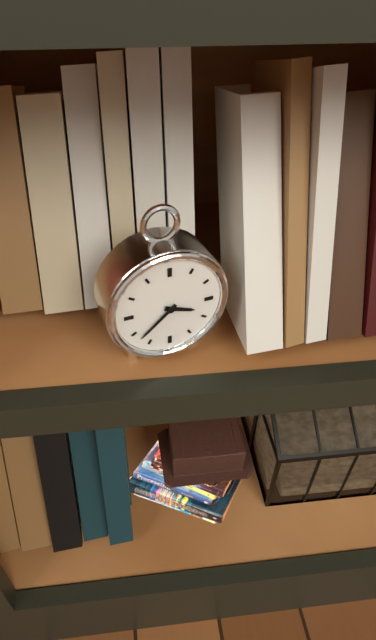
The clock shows **3:38**
